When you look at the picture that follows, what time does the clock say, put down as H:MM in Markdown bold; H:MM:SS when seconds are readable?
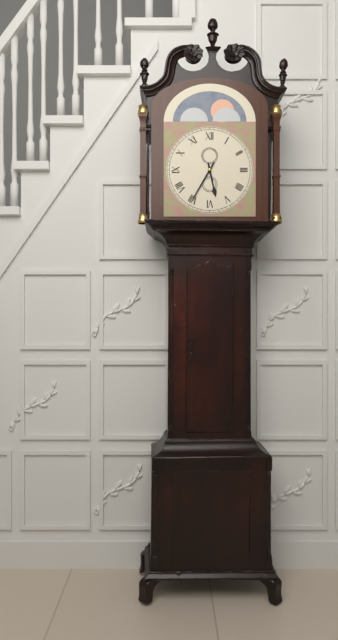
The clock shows **5:35**
